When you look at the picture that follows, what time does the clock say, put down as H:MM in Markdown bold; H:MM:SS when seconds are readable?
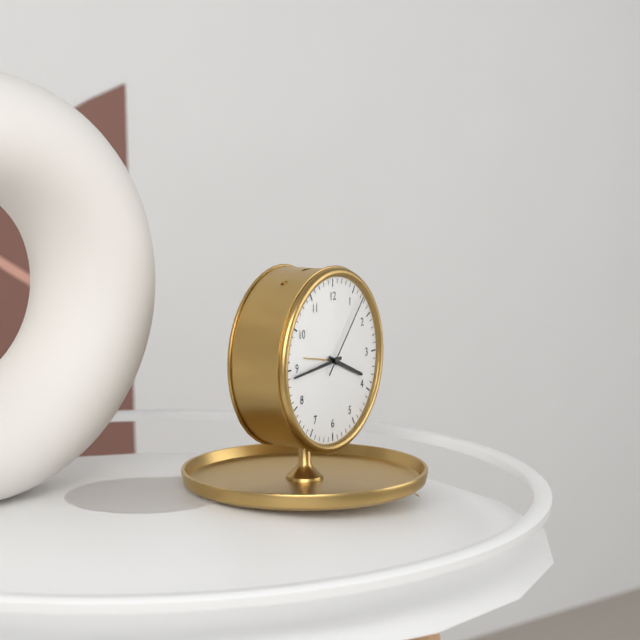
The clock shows **3:44:07**
